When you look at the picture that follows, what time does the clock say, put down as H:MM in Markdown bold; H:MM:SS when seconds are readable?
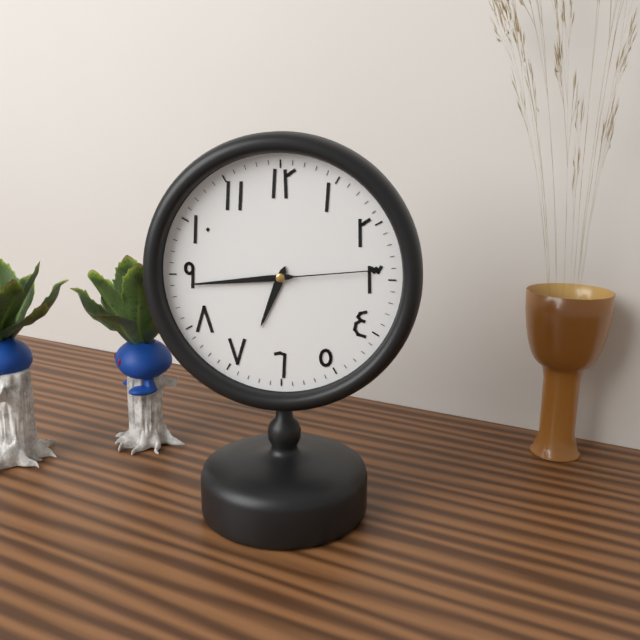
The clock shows **6:44:14**
